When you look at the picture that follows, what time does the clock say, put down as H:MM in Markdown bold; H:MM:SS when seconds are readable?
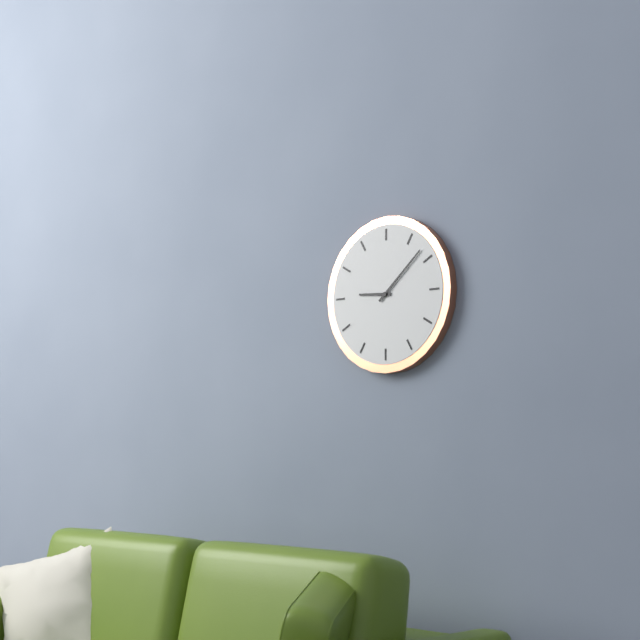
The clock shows **9:08**
